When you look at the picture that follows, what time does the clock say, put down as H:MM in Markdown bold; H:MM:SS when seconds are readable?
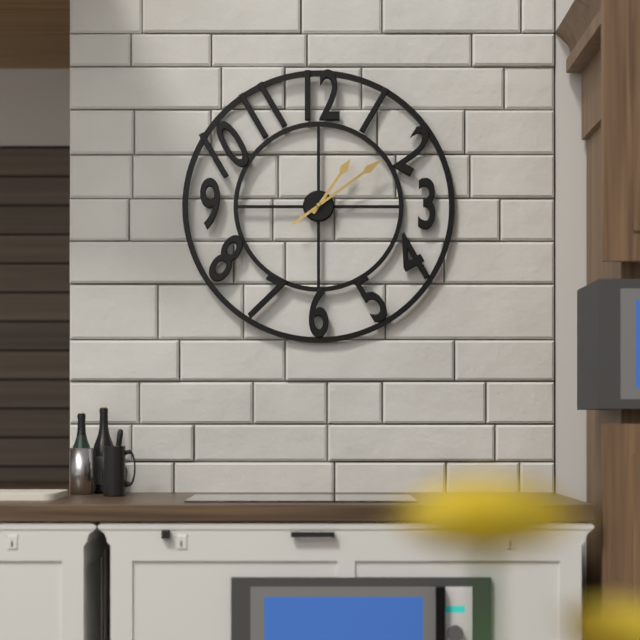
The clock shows **1:09**
